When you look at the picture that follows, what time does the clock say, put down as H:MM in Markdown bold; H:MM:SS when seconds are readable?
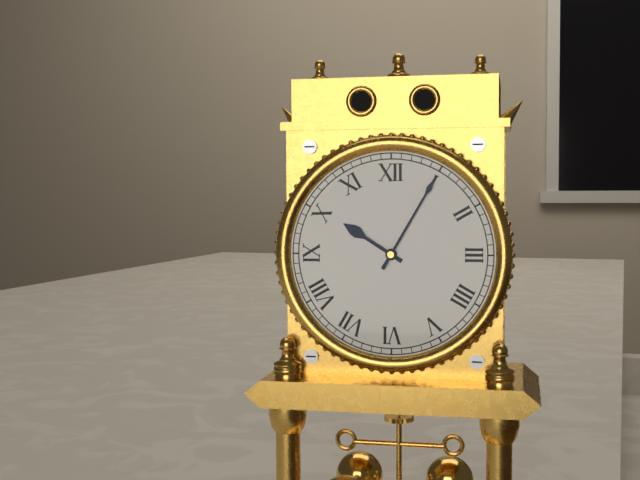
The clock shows **10:05**
